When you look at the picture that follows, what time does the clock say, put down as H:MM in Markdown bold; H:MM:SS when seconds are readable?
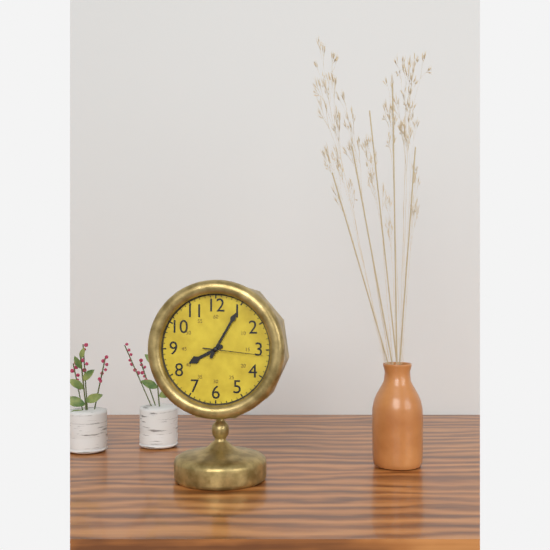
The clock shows **8:05:16**
